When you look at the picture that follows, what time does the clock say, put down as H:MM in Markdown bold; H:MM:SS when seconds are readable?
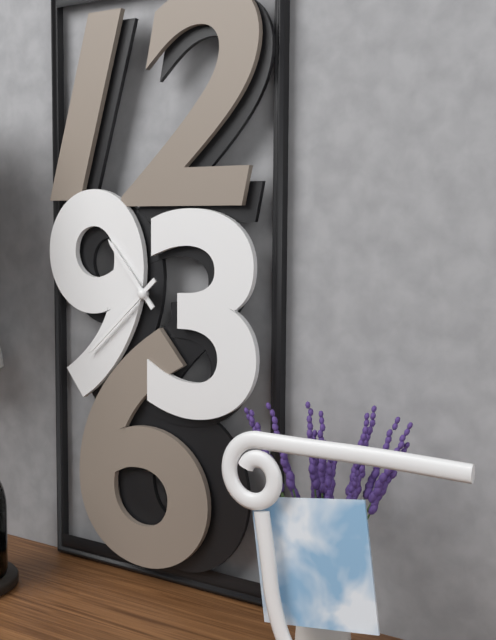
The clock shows **10:38**
